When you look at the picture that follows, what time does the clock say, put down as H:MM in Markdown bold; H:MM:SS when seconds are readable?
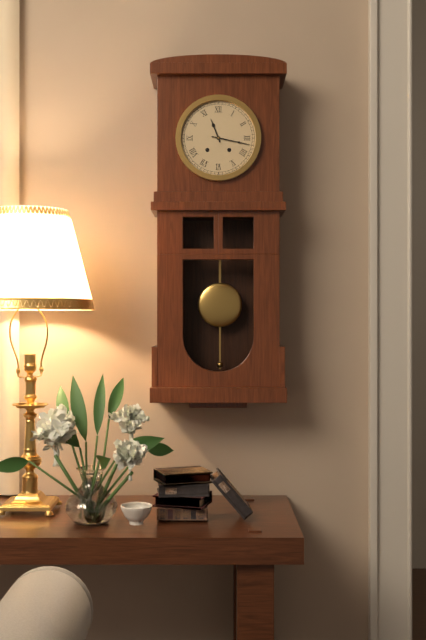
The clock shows **11:17**
